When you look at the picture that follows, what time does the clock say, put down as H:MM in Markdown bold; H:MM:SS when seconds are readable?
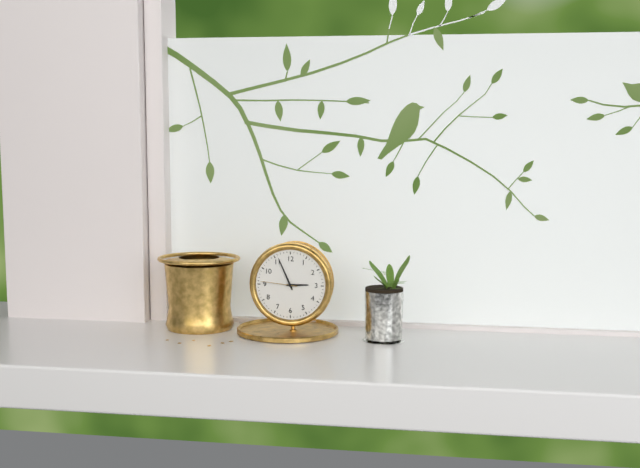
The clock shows **2:56**
